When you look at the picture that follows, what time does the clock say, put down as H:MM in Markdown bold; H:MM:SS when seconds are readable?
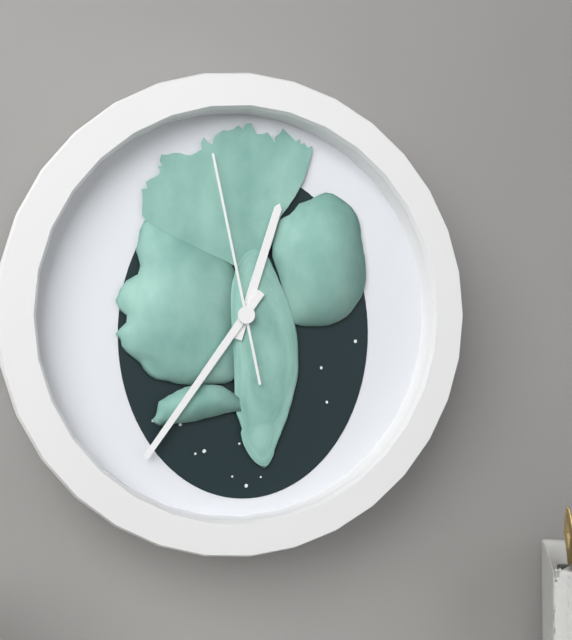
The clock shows **12:36:58**
